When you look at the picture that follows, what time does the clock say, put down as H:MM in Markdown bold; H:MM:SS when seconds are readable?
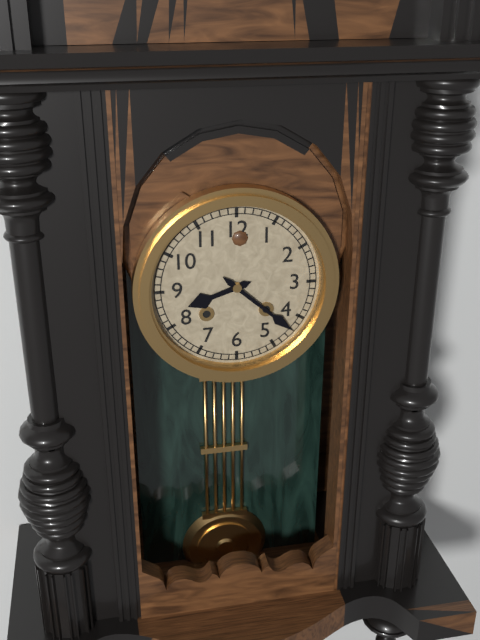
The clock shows **8:22**
